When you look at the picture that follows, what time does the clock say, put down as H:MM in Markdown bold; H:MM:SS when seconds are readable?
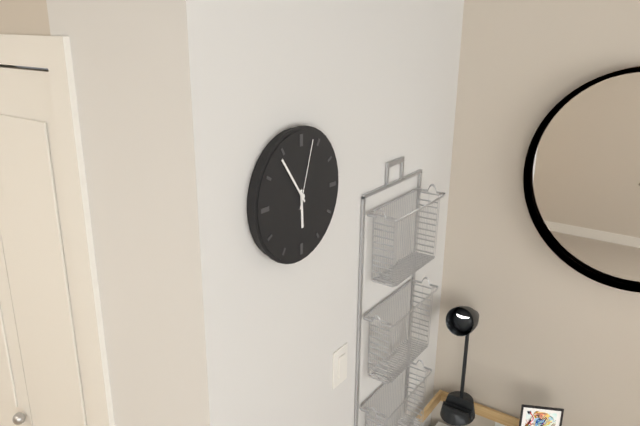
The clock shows **5:54:03**
